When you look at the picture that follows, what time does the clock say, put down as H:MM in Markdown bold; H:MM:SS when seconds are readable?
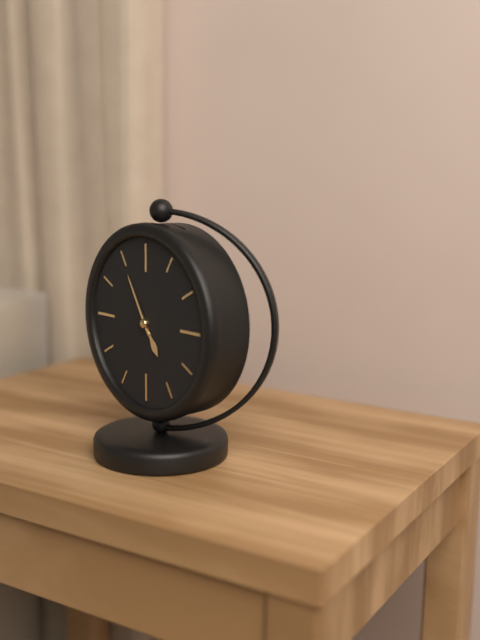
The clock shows **4:55**
